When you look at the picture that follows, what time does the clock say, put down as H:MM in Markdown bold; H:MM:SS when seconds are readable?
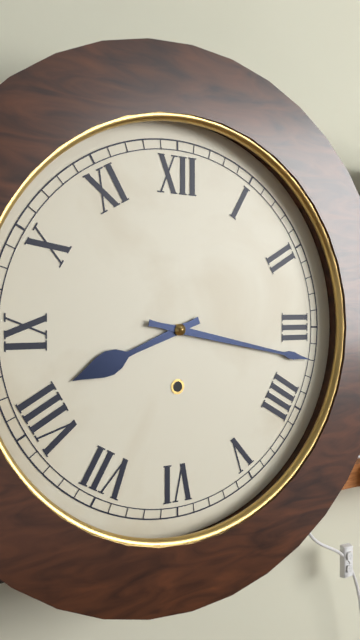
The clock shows **8:17**
